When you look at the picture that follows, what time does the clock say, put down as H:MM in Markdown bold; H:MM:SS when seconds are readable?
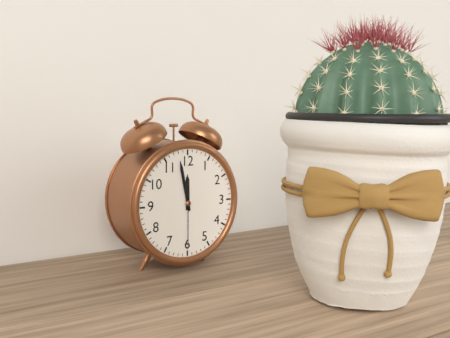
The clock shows **11:58:30**
